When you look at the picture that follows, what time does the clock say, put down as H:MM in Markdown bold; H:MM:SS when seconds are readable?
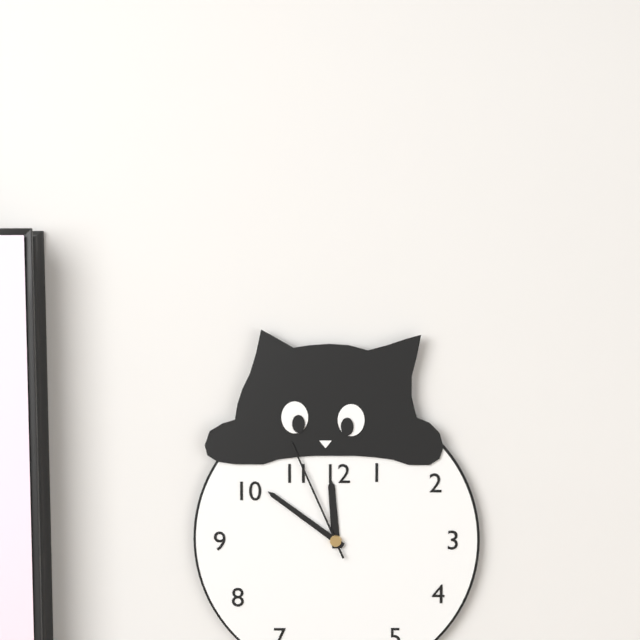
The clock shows **11:51:56**
